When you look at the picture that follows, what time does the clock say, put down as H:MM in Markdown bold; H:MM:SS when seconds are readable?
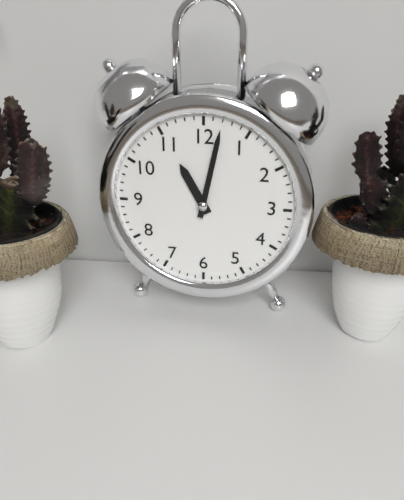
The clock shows **11:02**
